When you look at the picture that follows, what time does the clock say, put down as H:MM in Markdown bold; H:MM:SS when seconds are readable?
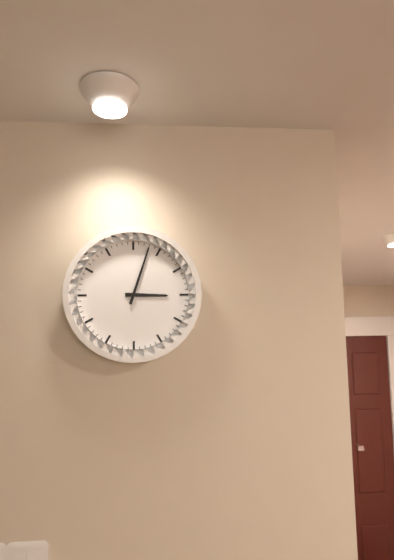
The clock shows **3:03**
